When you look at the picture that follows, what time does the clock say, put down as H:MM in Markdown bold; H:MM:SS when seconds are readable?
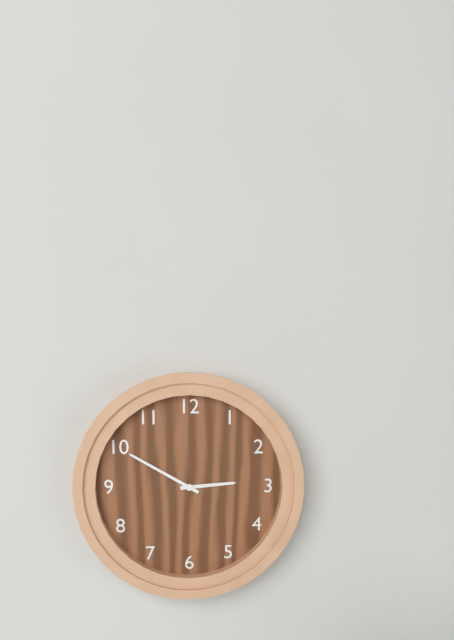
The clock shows **2:50**
